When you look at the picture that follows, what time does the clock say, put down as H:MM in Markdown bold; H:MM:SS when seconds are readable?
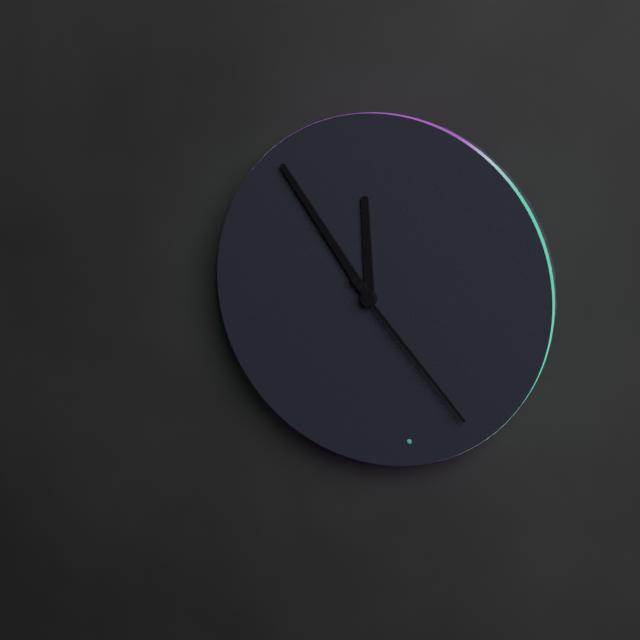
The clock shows **11:54:23**
